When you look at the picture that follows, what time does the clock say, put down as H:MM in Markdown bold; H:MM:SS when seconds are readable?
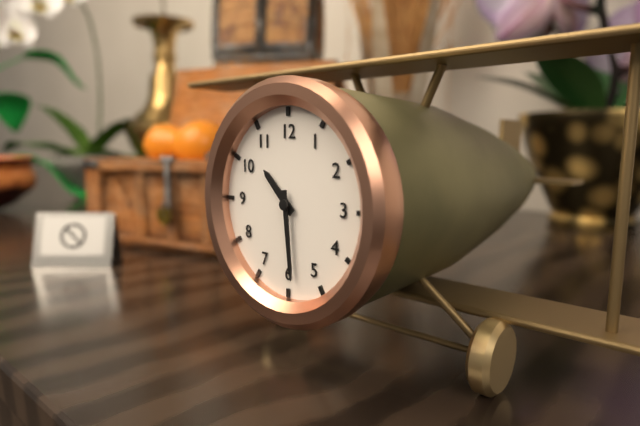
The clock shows **10:29**
